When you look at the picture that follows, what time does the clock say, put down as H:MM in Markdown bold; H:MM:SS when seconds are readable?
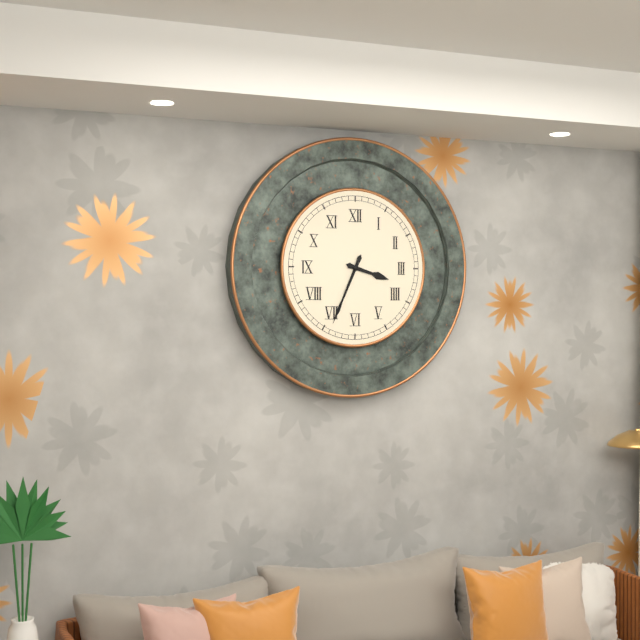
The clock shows **3:34**
